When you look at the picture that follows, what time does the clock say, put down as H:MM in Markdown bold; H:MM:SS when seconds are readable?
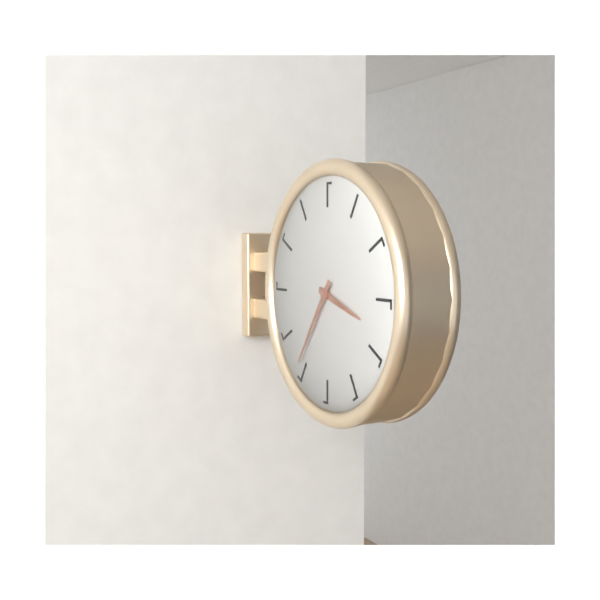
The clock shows **3:36**
